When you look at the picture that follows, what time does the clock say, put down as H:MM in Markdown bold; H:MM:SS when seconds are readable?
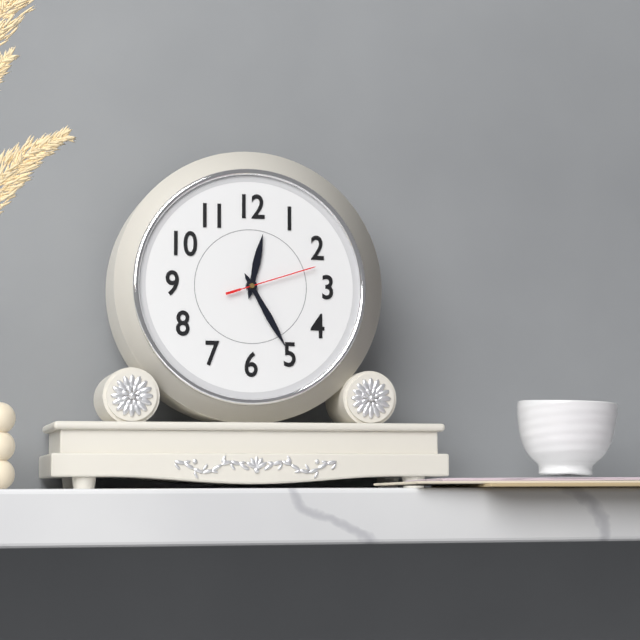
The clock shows **12:25:12**
